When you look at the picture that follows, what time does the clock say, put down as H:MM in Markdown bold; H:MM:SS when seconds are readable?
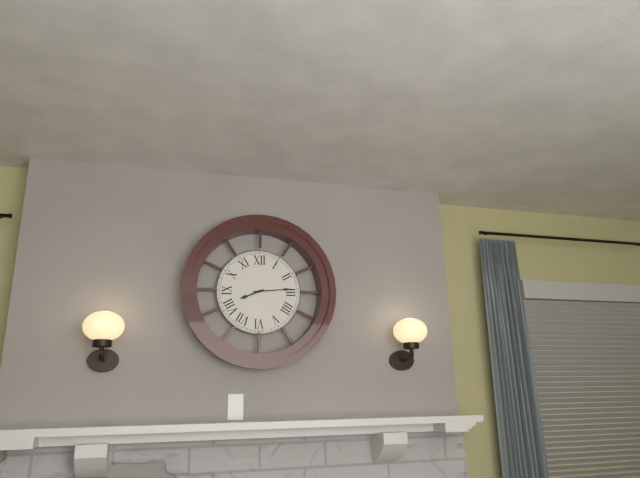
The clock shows **8:14**
